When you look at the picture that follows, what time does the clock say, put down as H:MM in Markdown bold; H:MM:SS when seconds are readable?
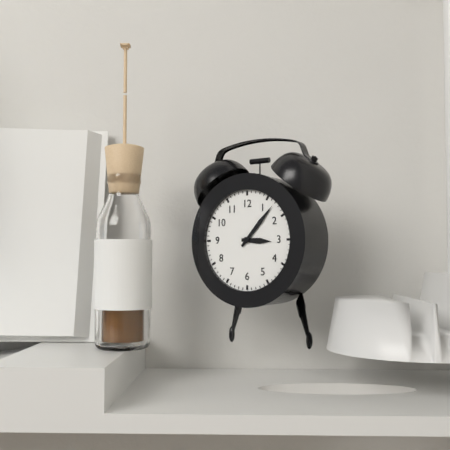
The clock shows **3:07**
